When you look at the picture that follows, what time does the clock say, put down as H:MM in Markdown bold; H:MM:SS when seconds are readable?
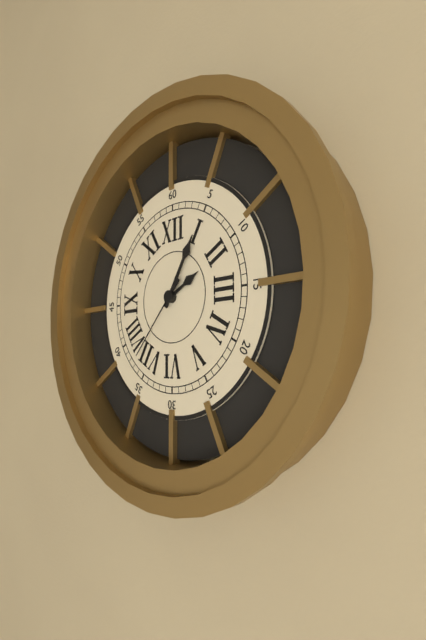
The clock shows **2:05:37**
